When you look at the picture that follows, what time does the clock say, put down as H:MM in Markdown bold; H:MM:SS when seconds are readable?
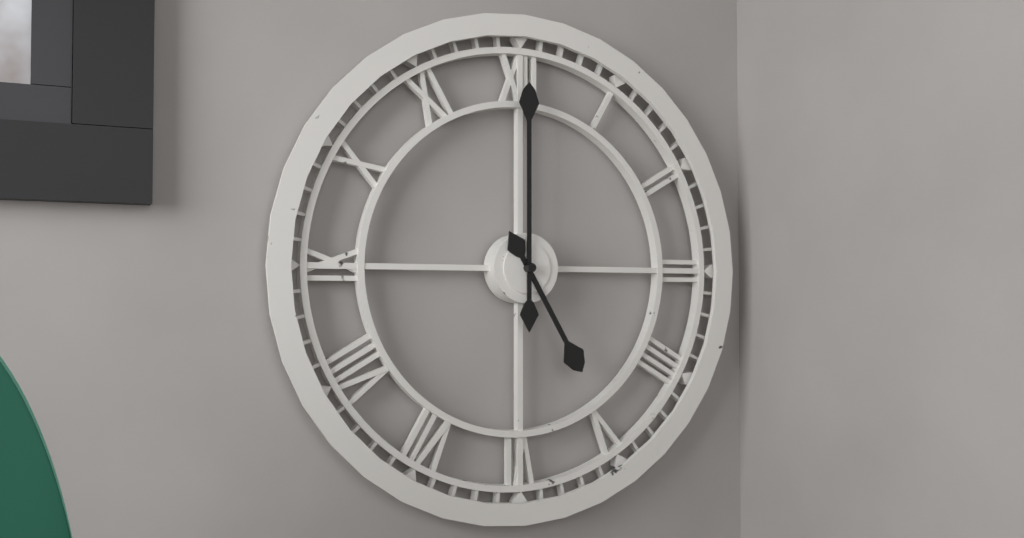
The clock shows **5:00**
